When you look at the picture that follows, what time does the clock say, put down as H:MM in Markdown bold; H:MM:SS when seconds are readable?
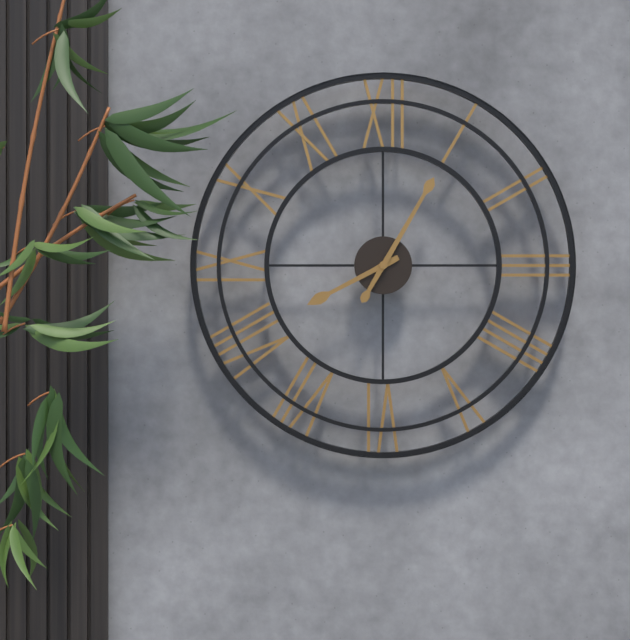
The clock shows **8:05**
